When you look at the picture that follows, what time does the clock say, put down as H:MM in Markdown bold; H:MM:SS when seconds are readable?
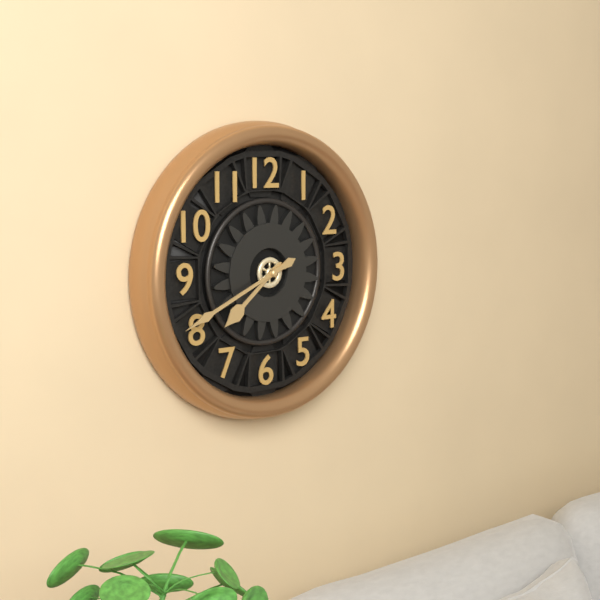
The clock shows **7:41**
